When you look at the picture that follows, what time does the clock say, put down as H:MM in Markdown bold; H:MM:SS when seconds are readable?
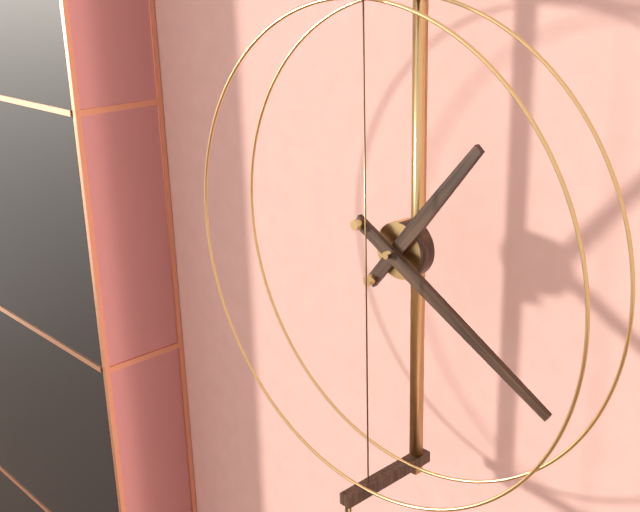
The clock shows **1:20**
